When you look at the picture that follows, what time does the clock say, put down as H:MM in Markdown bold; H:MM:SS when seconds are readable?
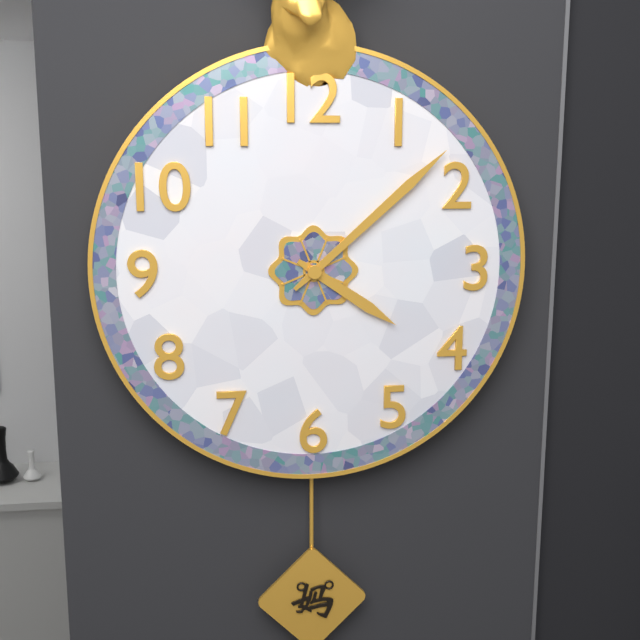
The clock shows **4:08**
